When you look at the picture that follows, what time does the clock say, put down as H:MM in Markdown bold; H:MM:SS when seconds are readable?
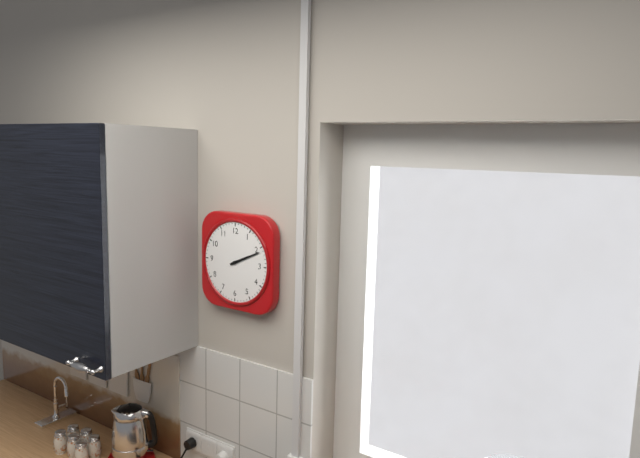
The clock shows **2:11**
